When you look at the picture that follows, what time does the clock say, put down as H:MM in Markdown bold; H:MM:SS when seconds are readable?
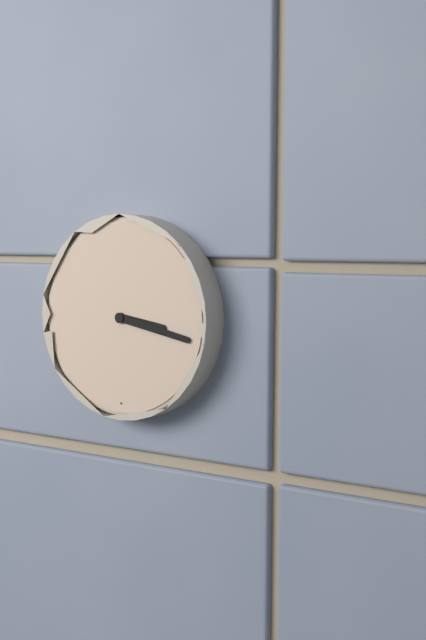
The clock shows **3:17**
